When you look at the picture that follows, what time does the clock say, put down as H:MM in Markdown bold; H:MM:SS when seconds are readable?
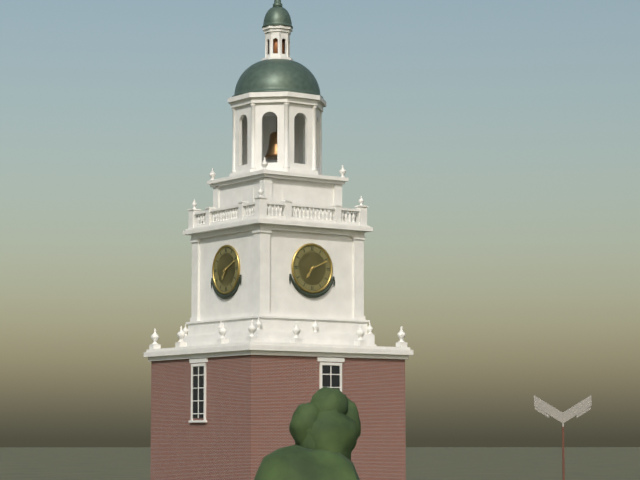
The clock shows **7:11**
